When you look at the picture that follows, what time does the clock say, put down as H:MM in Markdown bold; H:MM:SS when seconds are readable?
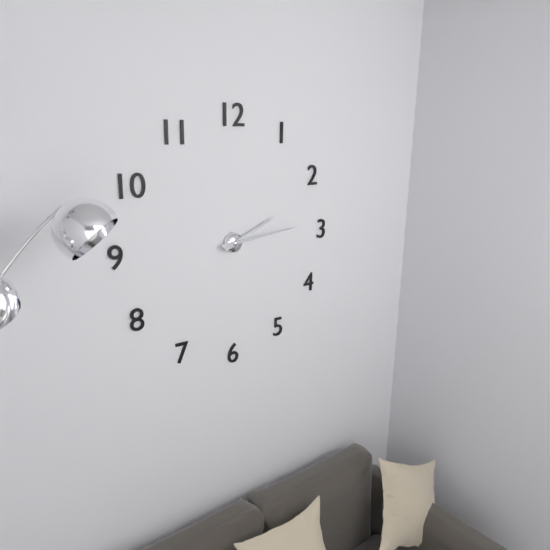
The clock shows **2:14**
